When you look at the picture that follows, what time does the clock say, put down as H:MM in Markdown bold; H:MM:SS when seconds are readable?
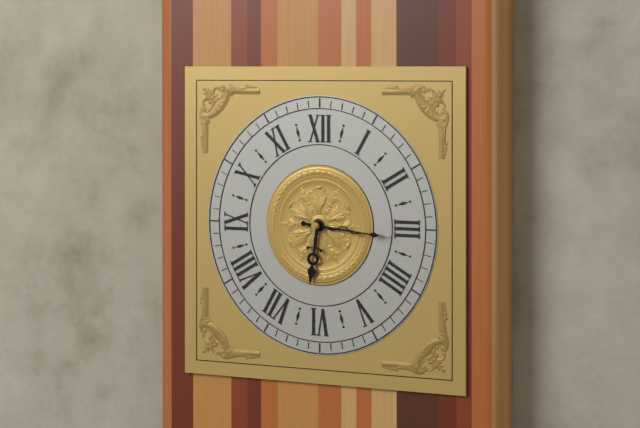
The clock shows **6:16**
